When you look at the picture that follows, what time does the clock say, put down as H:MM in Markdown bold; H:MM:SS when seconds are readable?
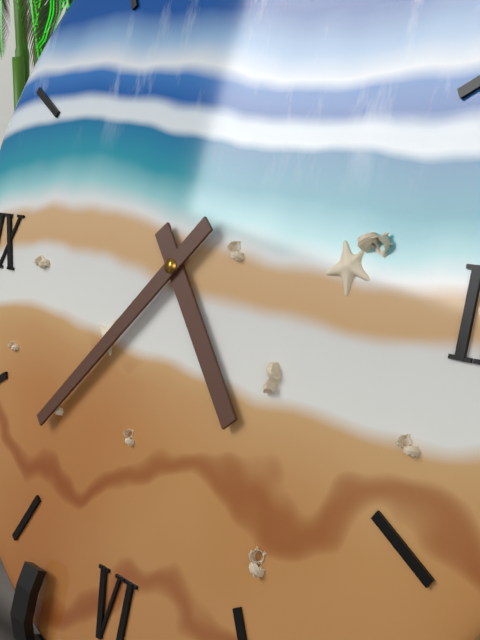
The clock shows **4:37**
